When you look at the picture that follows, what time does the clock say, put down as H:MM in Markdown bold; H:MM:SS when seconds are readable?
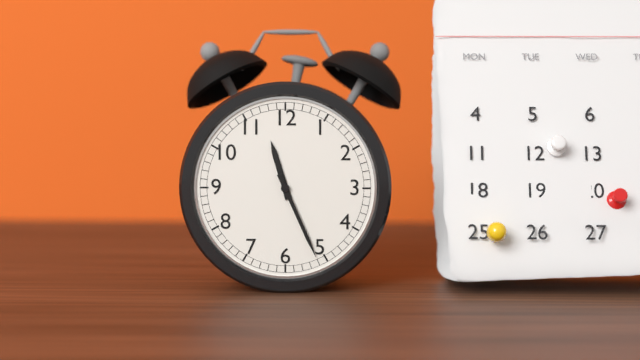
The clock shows **11:26**
